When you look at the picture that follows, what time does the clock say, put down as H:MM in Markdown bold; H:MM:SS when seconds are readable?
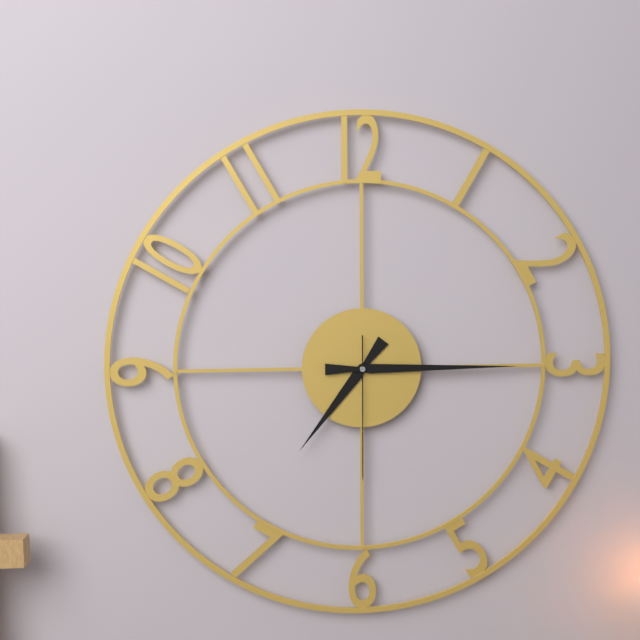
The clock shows **7:15:30**
